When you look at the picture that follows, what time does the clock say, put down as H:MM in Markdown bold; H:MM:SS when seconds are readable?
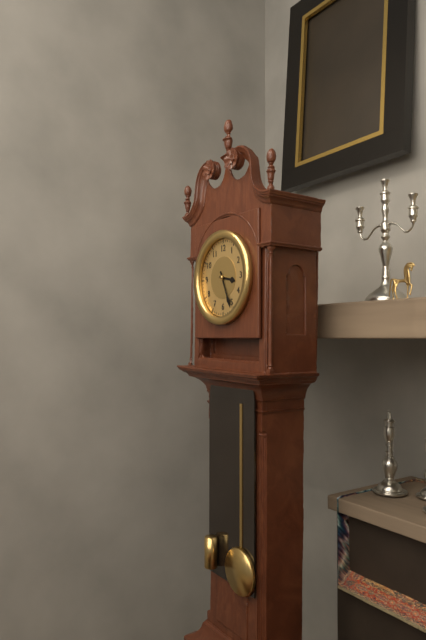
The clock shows **3:26**
